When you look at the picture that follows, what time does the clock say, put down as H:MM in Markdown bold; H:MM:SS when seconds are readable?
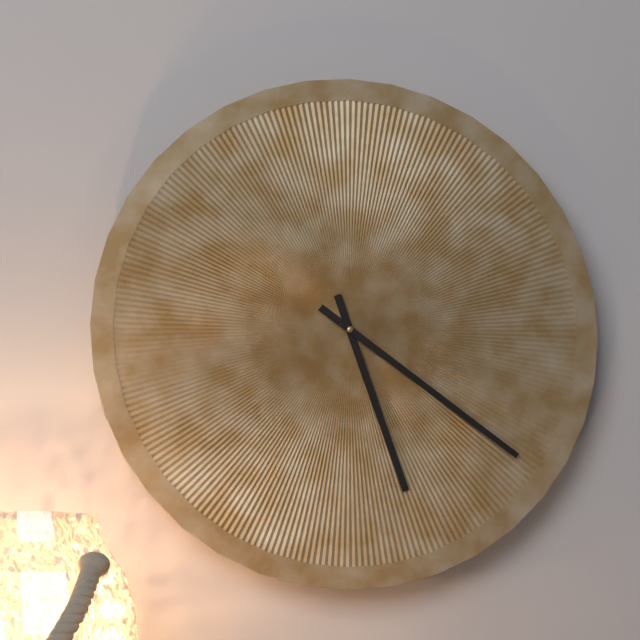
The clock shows **5:21**
